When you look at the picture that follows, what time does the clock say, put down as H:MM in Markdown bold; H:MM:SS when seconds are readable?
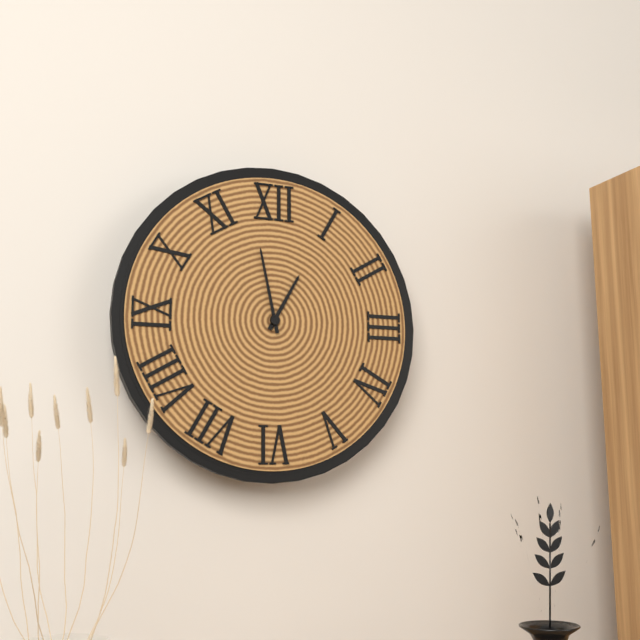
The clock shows **12:58**
